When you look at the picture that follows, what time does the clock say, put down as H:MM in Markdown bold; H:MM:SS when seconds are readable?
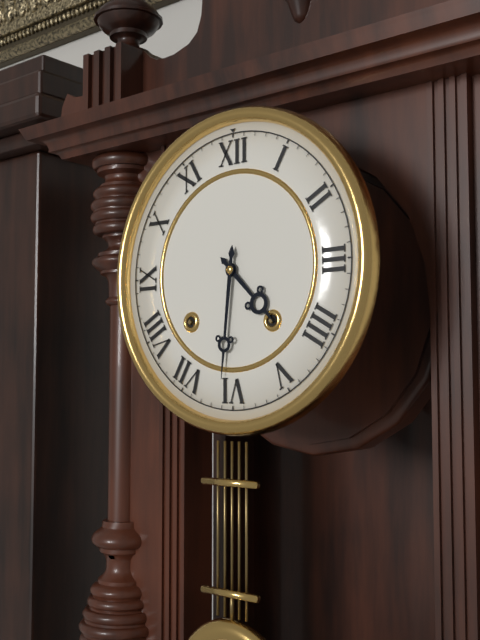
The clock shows **4:31**
